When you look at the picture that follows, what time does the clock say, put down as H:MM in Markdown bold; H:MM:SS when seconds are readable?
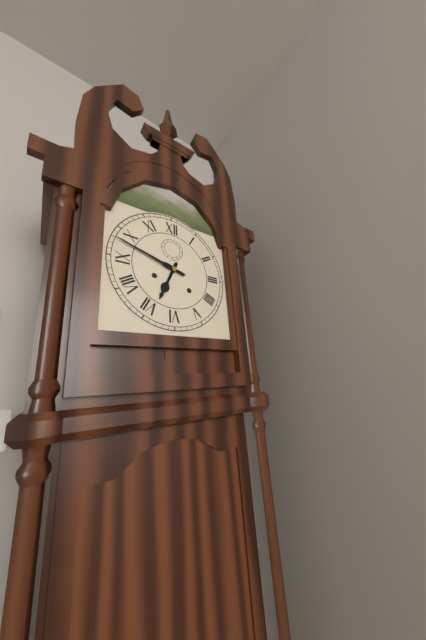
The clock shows **6:48**
